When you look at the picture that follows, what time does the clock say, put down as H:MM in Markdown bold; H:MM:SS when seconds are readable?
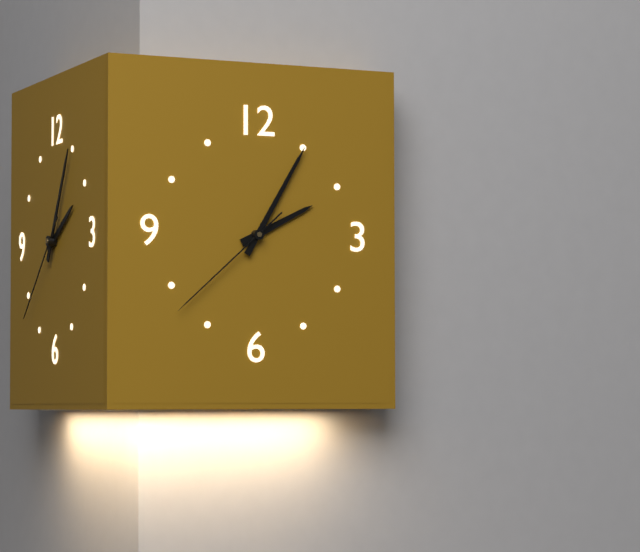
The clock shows **2:05:38**
